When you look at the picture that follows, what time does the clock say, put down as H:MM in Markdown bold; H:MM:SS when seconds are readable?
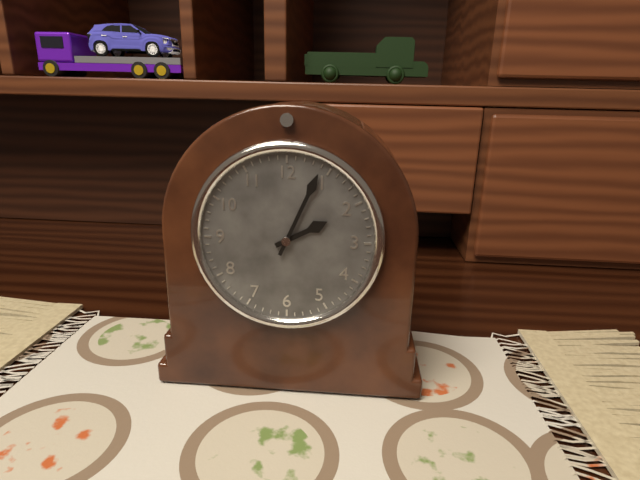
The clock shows **2:04**
